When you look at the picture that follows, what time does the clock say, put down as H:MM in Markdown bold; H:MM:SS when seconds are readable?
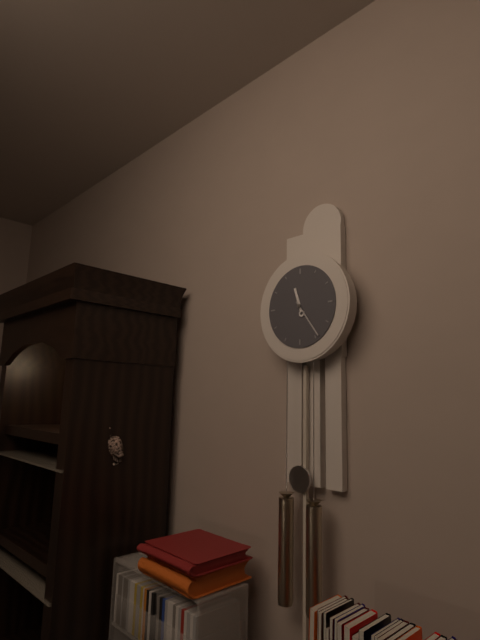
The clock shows **11:24**
